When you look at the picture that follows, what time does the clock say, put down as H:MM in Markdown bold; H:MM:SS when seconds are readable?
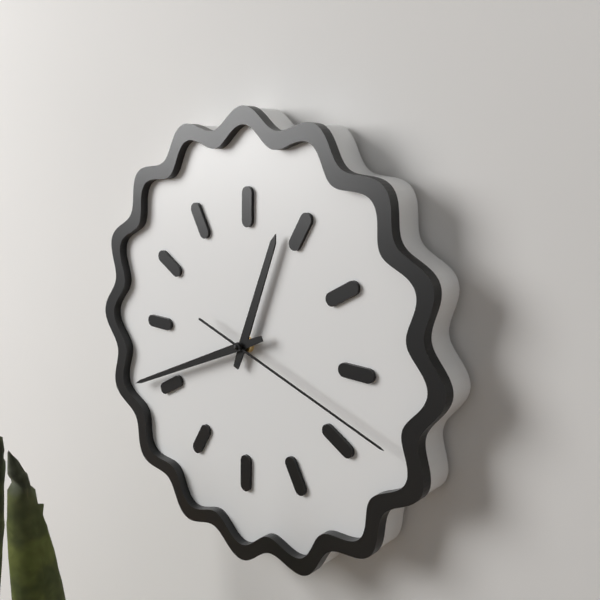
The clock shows **12:41:18**
